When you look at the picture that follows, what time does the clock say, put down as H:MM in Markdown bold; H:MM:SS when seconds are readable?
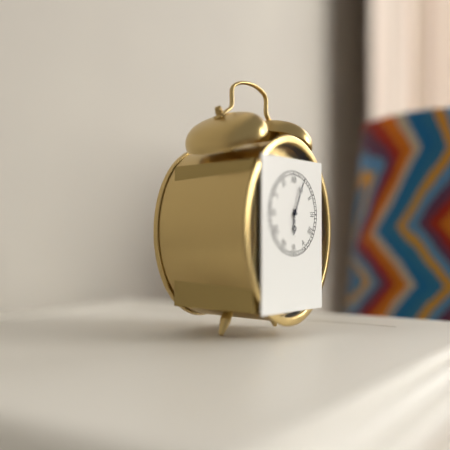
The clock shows **6:04**
